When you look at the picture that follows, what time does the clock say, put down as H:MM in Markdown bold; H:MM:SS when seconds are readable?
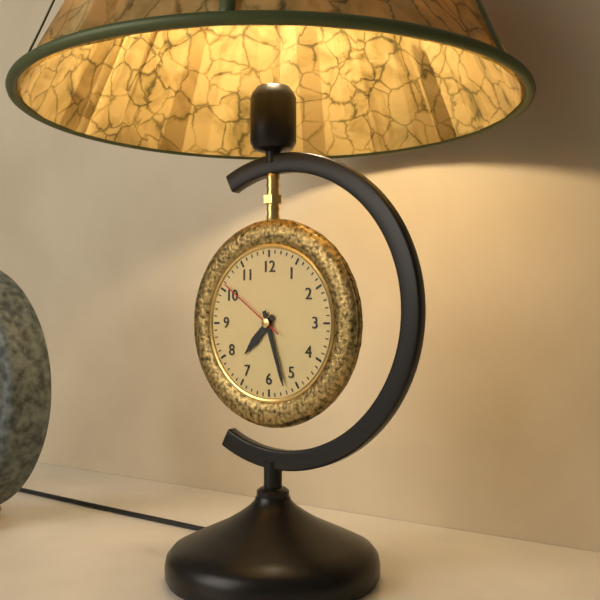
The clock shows **7:27:51**
